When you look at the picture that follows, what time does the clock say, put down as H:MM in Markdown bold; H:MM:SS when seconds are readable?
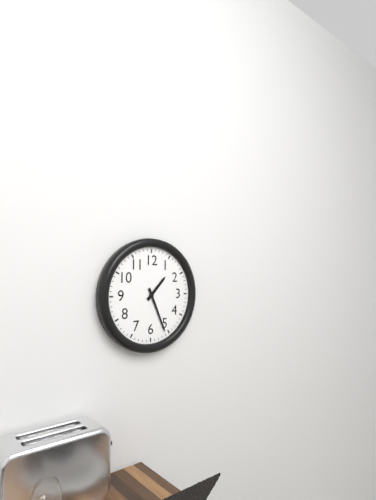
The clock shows **1:26**
